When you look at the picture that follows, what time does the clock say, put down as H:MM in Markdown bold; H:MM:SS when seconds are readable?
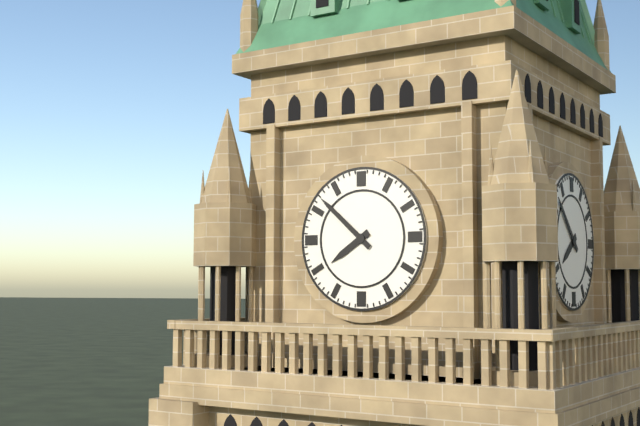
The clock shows **7:52**
